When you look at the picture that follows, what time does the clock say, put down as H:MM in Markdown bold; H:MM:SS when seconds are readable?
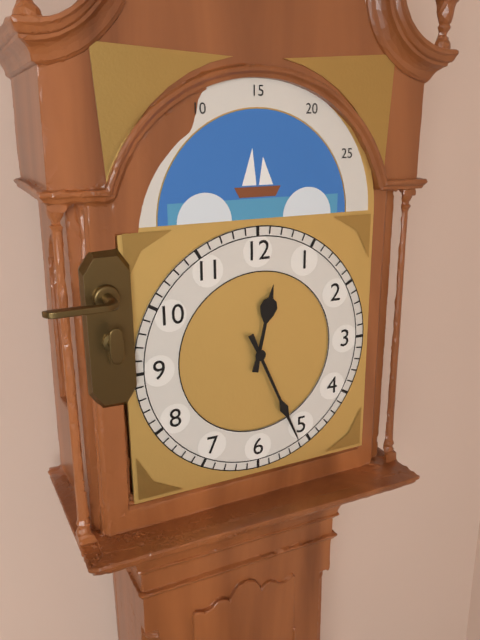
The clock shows **12:26**
